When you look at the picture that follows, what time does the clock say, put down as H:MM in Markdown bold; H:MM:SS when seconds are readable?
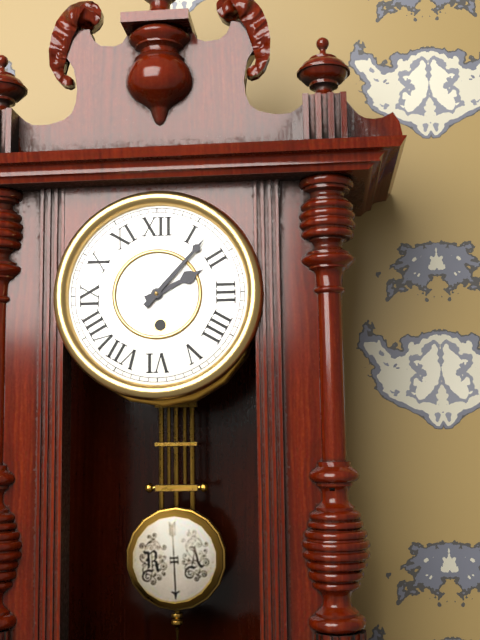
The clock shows **2:07**
